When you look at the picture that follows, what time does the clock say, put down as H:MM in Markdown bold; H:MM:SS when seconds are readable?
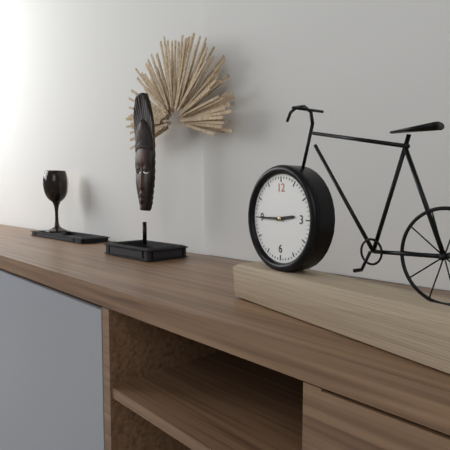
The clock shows **2:45**
